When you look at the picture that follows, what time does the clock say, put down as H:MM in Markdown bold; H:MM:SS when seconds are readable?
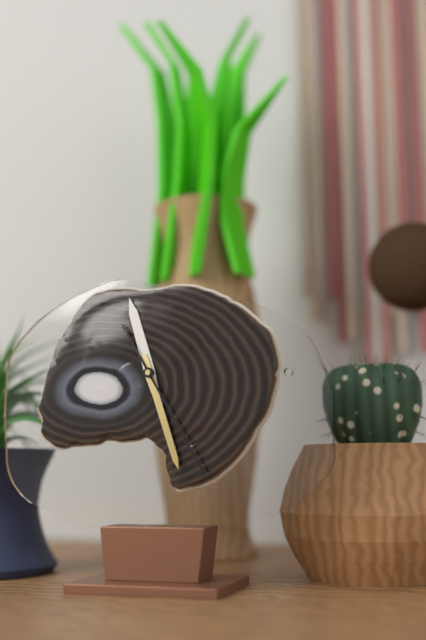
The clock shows **11:27:25**
